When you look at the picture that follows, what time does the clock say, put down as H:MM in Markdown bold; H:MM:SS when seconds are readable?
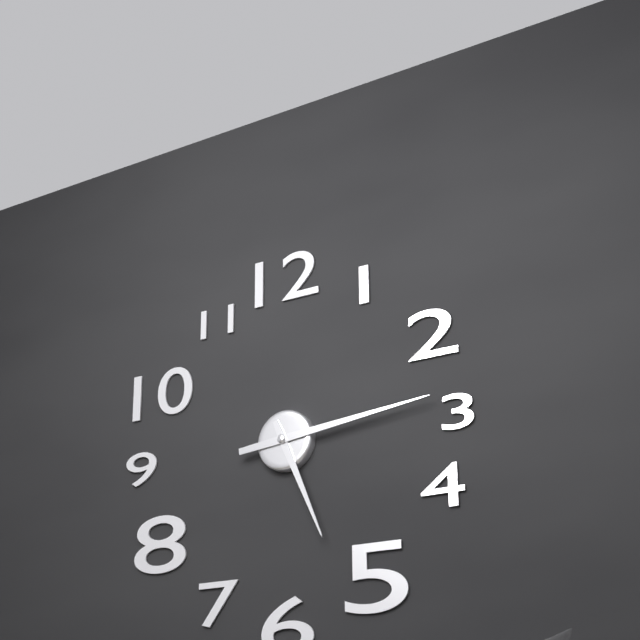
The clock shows **5:14**
